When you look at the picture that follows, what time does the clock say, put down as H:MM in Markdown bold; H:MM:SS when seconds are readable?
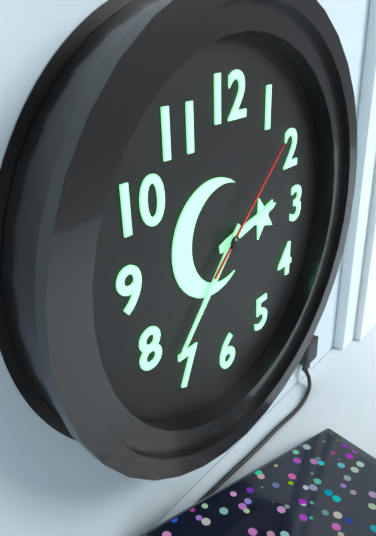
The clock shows **2:37:08**
